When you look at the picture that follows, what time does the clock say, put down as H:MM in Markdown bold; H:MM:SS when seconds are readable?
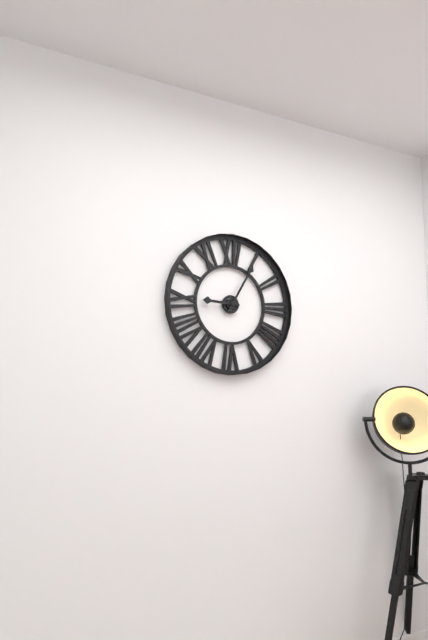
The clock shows **9:05**
